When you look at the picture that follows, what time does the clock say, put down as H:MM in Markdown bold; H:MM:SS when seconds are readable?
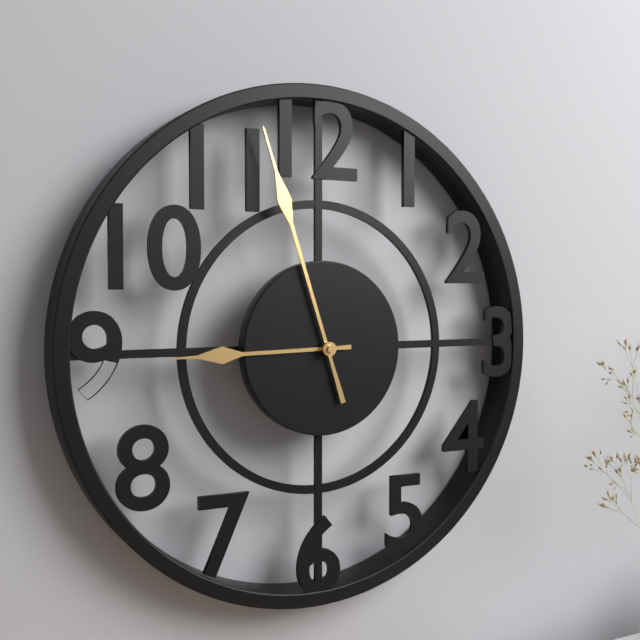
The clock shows **8:57**
